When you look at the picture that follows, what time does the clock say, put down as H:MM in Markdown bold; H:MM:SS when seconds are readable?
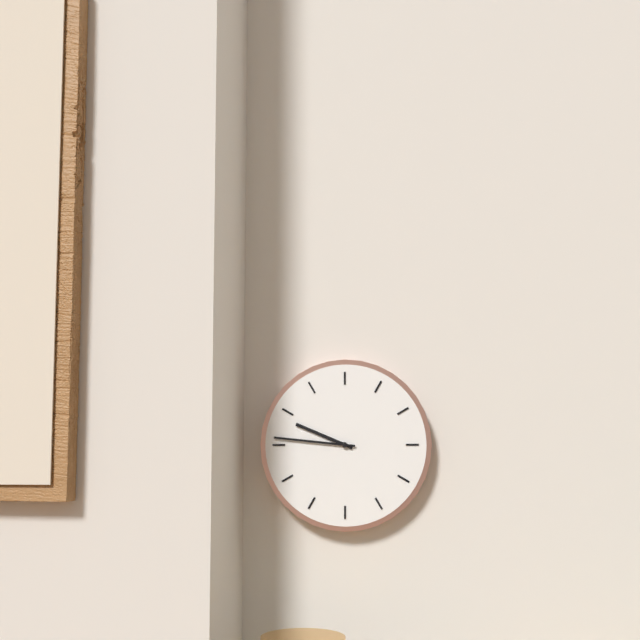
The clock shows **9:46**
